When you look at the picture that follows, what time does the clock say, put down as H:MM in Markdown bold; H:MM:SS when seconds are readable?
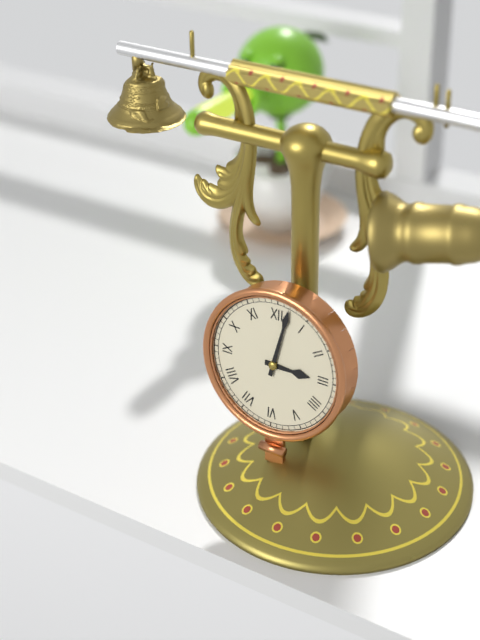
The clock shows **3:02**
